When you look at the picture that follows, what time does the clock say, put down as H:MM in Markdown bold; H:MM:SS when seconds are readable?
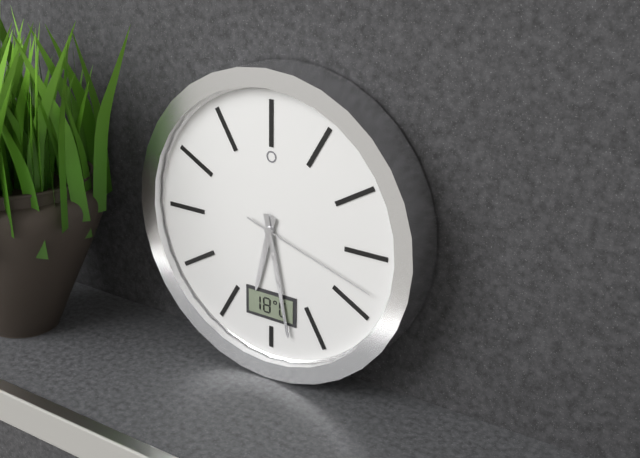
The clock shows **6:28:18**
